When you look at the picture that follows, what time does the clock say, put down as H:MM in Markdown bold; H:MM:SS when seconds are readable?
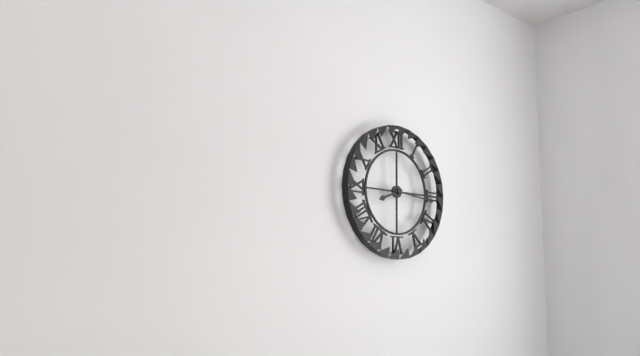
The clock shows **8:16**
